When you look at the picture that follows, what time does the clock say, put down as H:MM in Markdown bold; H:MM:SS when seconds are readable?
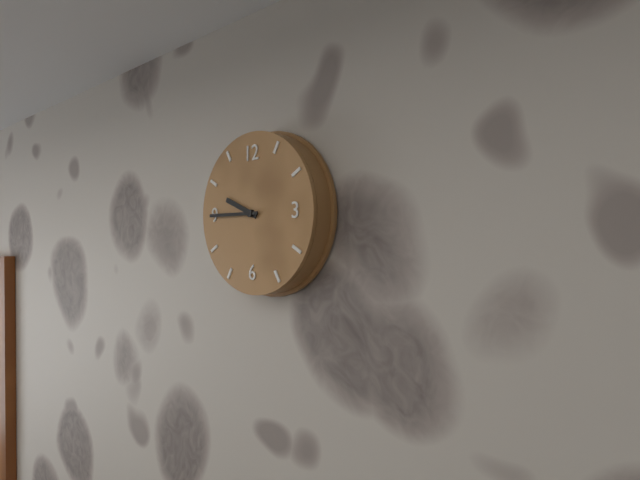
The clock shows **9:45**
